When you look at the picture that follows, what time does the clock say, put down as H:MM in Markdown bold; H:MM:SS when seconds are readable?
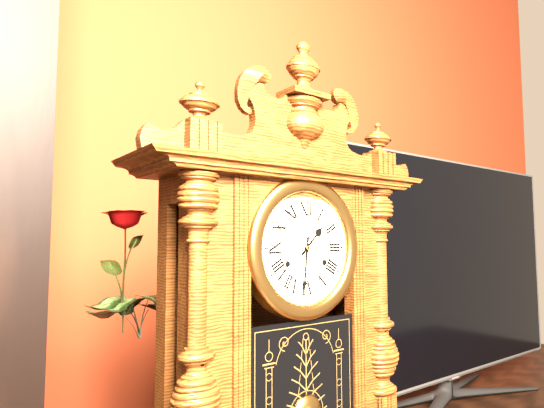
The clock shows **1:31**
